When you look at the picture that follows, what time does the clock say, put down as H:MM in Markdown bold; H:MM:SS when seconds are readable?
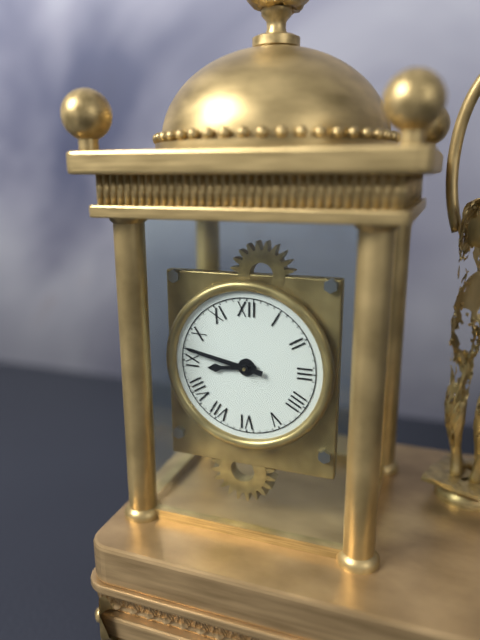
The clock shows **8:47**
